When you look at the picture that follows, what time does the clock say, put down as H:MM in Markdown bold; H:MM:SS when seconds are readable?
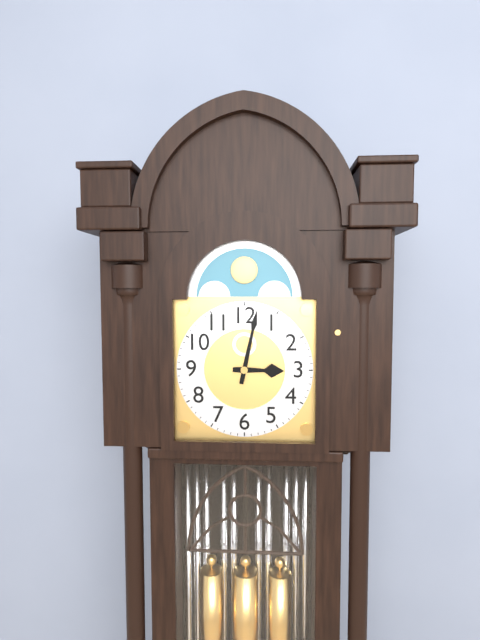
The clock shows **3:02**
